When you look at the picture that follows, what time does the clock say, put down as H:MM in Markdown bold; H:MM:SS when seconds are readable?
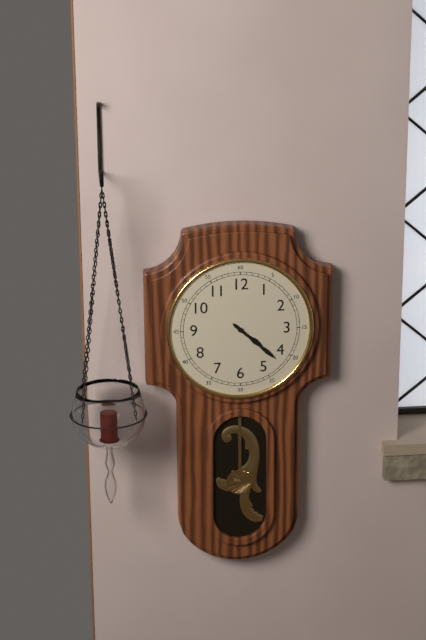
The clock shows **4:22**
